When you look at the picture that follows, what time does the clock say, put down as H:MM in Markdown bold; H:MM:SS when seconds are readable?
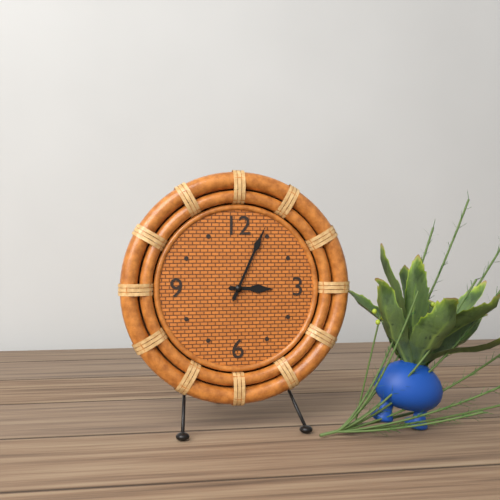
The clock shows **3:04**
